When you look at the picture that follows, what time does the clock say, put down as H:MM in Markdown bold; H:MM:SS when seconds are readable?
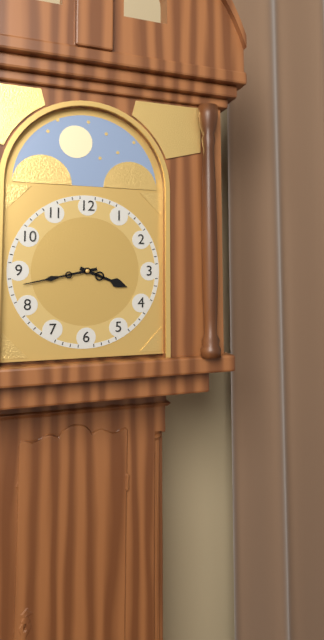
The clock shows **3:43**
